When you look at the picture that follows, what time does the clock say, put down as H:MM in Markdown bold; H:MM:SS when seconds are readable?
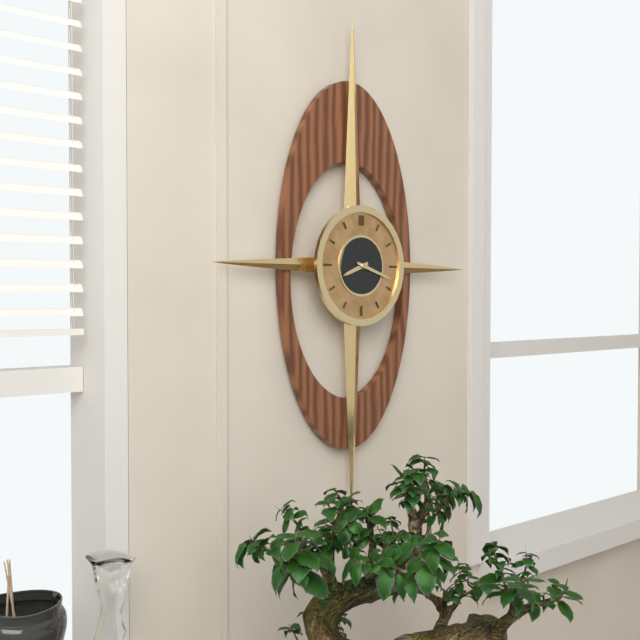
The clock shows **8:18**
